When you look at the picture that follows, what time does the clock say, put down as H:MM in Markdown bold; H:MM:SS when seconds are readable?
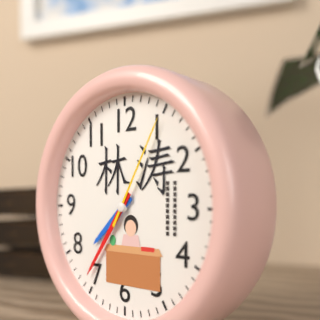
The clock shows **7:36:05**
